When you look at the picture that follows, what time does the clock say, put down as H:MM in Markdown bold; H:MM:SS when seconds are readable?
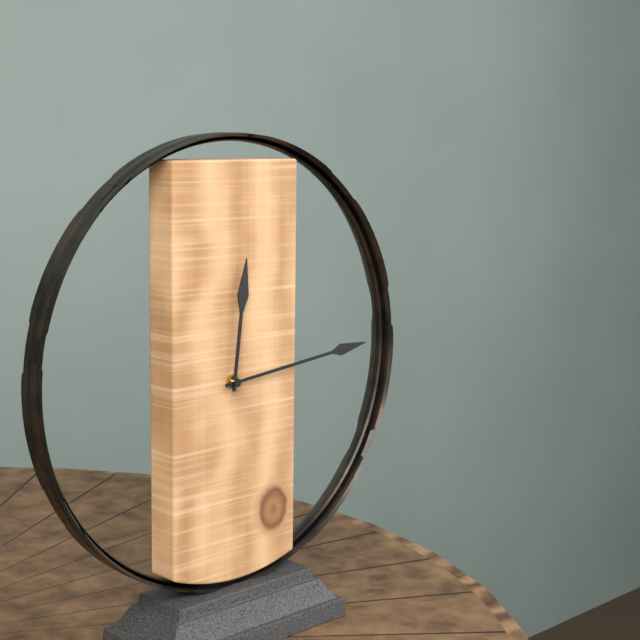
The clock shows **12:14**
